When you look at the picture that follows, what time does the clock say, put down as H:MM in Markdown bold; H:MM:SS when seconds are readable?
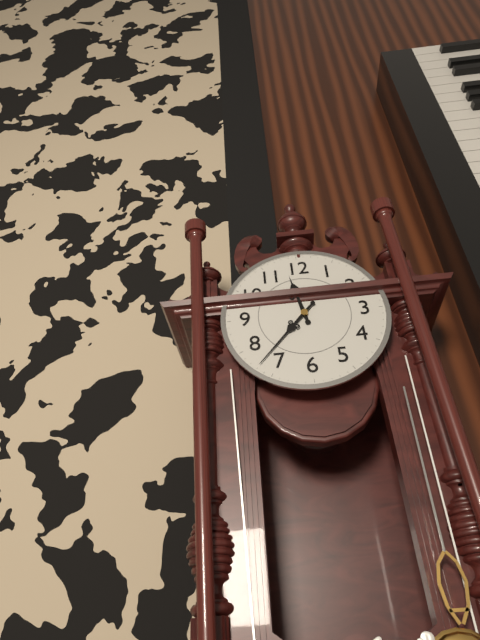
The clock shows **11:37**
